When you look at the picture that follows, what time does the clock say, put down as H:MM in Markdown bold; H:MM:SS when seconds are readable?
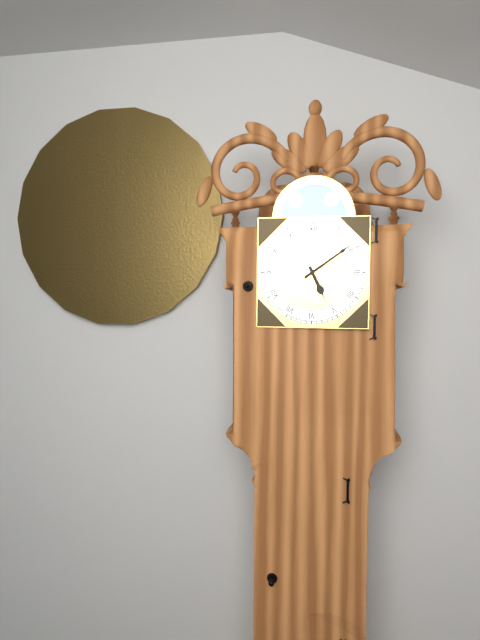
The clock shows **5:09**
